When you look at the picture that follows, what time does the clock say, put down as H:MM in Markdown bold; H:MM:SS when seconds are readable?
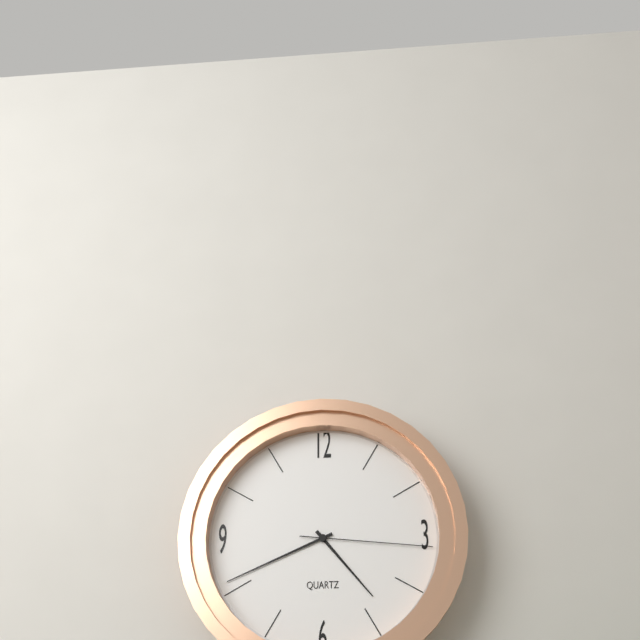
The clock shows **4:41:16**
